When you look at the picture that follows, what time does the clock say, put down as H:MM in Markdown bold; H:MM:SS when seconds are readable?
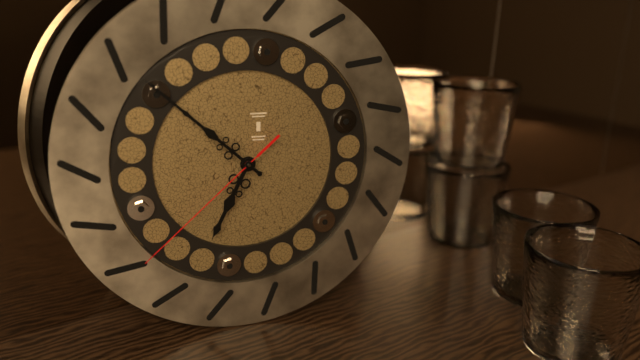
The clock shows **6:52:38**
